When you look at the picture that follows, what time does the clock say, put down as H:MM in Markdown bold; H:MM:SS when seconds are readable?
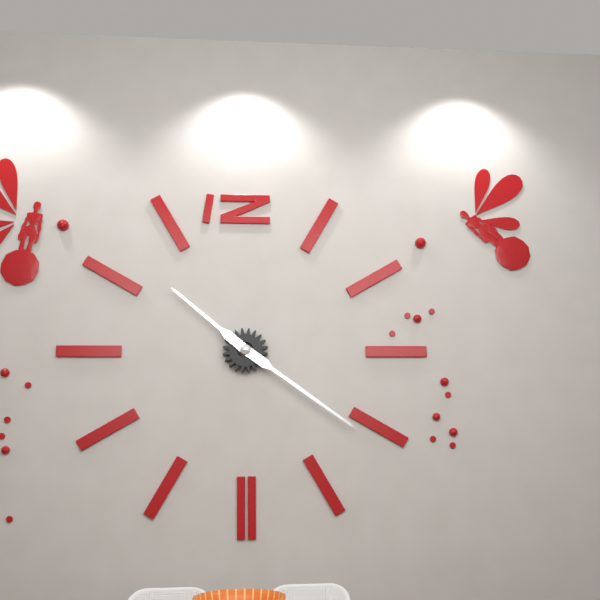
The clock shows **10:21**
